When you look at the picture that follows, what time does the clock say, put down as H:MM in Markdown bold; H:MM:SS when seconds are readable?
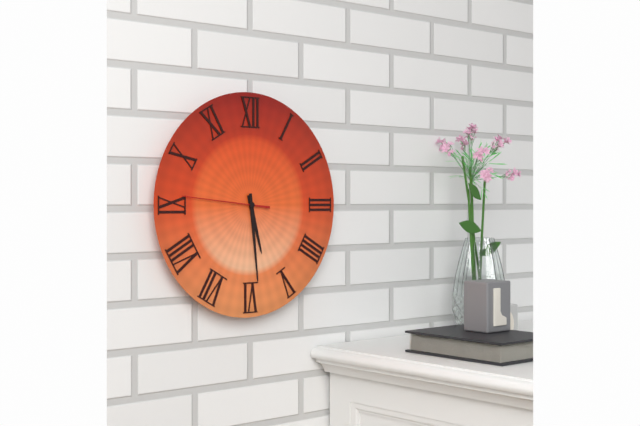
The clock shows **5:29:46**
